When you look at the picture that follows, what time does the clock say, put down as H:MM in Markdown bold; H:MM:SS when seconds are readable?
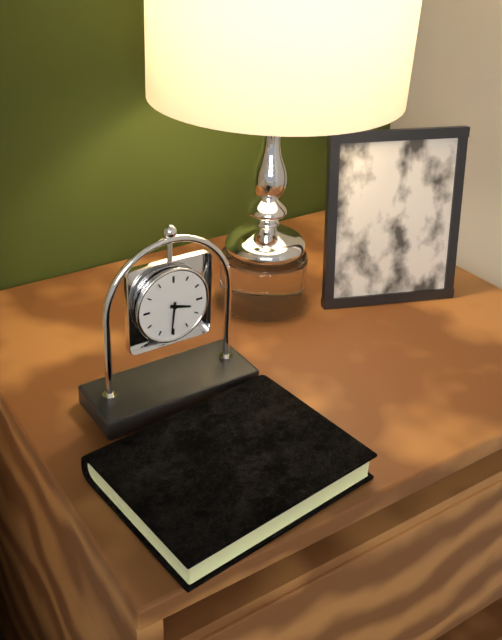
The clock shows **3:31**
